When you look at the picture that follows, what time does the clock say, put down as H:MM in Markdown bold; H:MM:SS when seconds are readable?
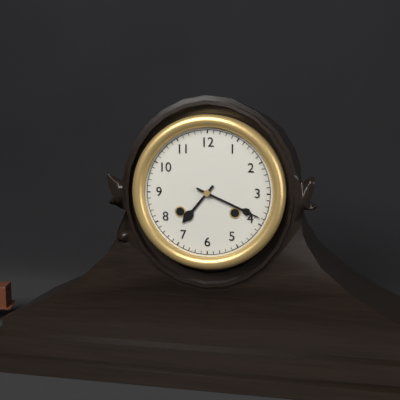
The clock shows **7:19**
